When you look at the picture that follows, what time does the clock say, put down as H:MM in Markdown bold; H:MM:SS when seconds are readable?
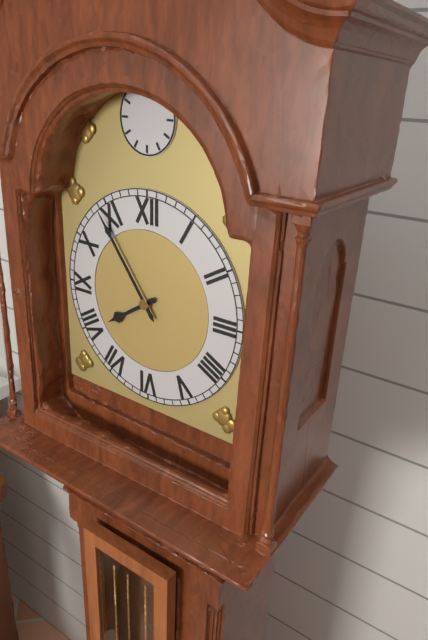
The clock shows **7:54**
